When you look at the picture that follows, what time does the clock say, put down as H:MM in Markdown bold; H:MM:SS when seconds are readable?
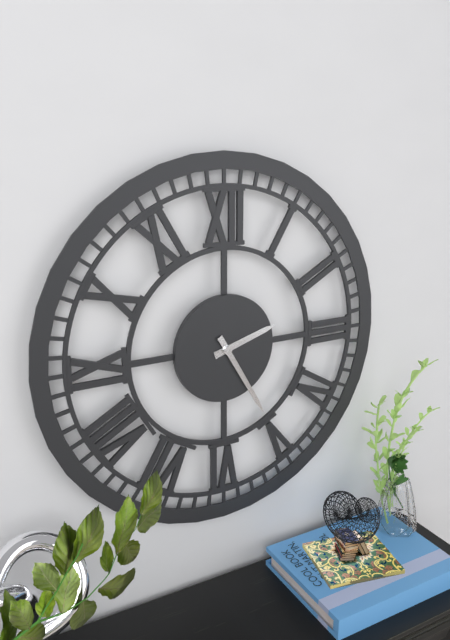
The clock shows **2:25**
